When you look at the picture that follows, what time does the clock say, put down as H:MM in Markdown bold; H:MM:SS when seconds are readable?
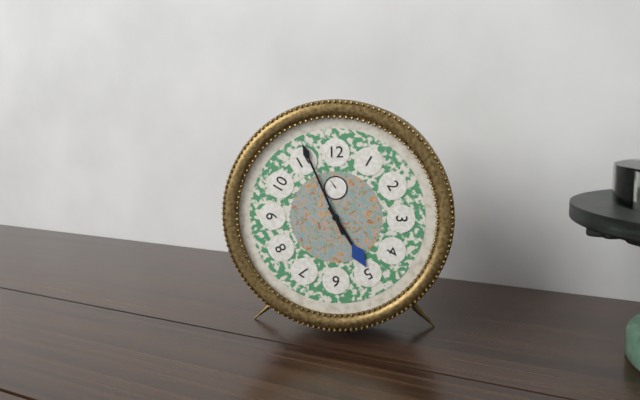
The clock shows **4:56**
